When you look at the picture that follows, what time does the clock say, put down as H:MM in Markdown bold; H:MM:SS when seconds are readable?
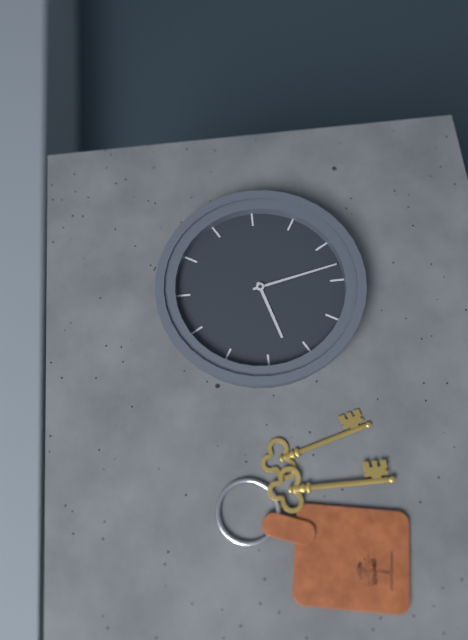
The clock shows **8:28**
